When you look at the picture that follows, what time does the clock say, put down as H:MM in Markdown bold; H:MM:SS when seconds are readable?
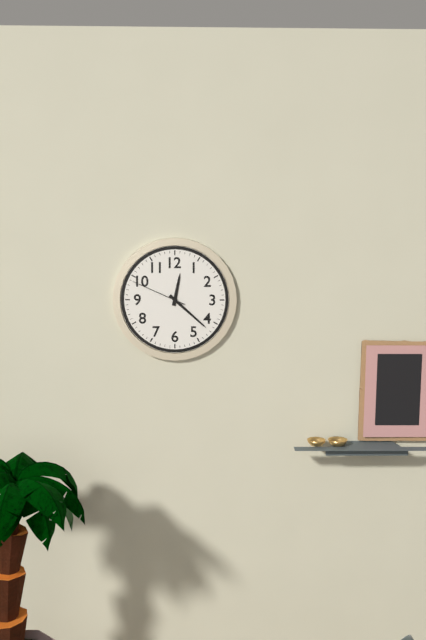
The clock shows **12:22:49**
